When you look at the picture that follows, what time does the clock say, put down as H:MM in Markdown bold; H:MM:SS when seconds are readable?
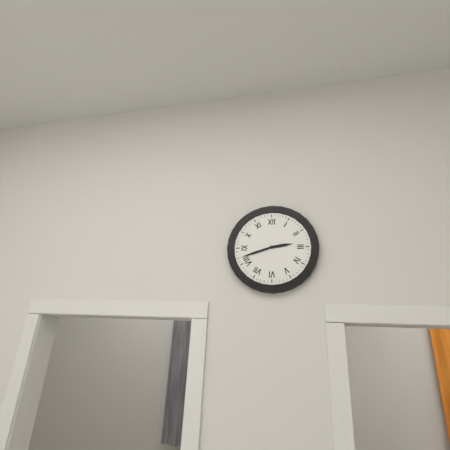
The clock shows **2:42**
